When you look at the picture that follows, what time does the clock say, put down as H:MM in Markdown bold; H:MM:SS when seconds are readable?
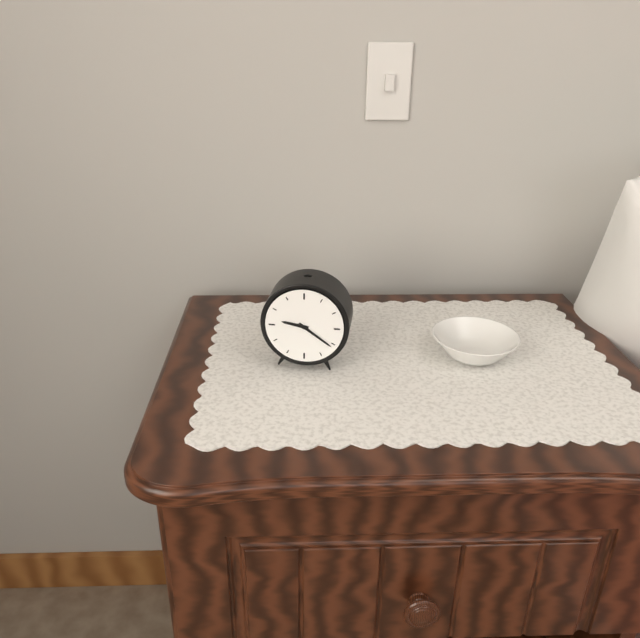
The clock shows **9:21**
